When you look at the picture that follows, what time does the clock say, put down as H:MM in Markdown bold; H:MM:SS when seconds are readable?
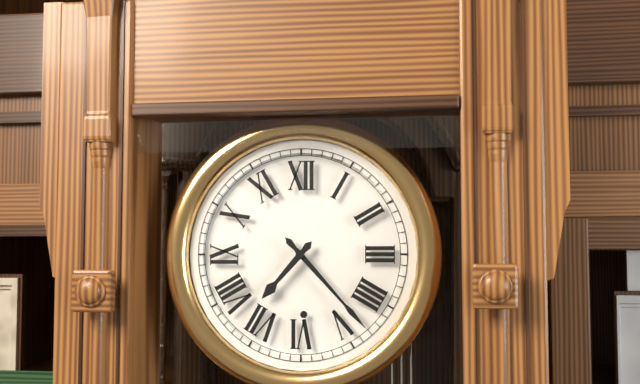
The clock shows **7:23**
